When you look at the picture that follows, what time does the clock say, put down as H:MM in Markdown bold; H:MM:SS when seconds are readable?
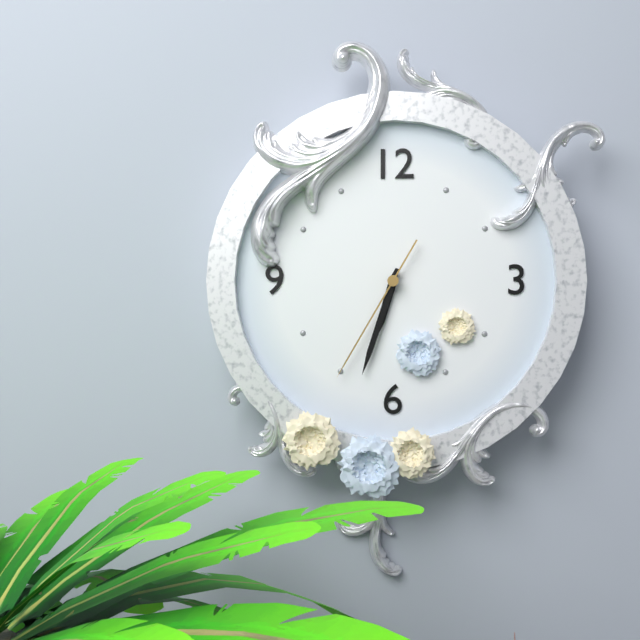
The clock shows **6:33:35**
